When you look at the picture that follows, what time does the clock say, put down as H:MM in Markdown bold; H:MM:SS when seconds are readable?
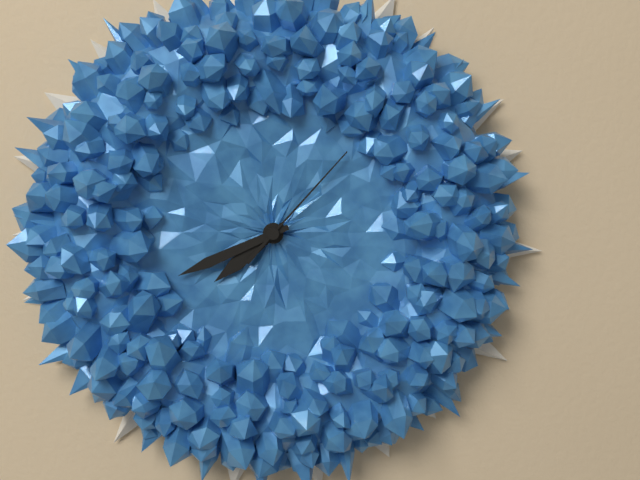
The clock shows **7:41:07**
